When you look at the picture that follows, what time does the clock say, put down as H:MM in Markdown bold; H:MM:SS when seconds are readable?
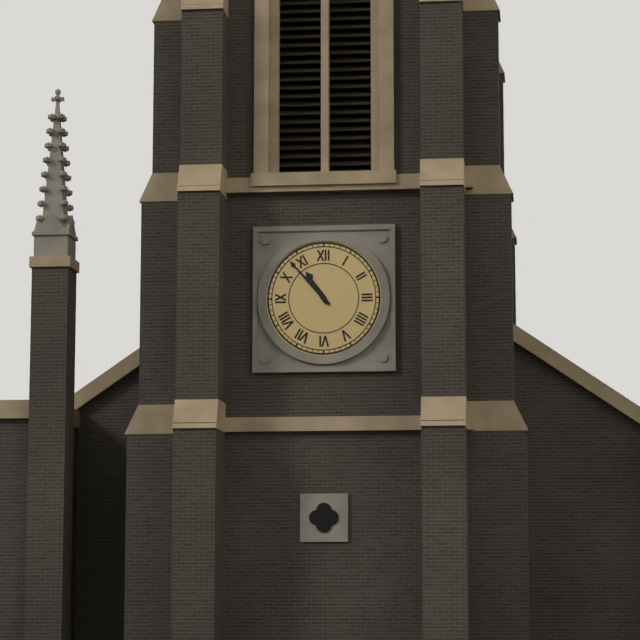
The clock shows **10:53**
